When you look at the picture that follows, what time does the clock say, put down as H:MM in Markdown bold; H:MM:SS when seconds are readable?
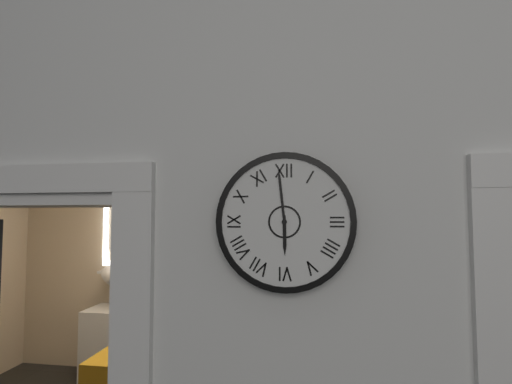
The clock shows **5:59**
